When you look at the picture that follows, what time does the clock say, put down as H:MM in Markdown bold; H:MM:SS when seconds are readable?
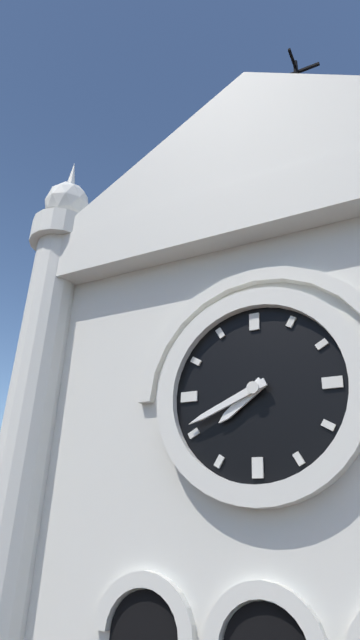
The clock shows **7:41**
